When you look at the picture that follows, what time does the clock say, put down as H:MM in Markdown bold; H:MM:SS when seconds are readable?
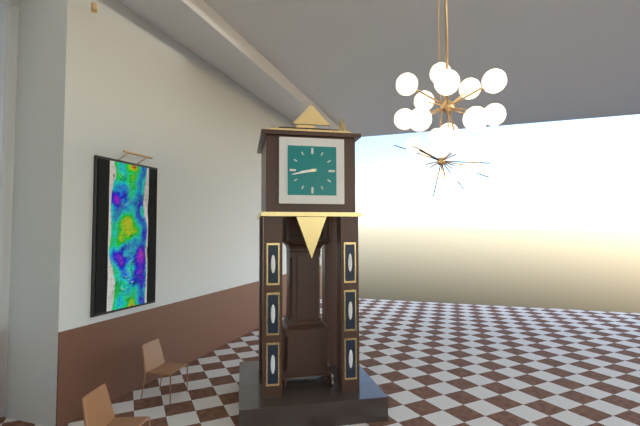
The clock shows **8:43**
